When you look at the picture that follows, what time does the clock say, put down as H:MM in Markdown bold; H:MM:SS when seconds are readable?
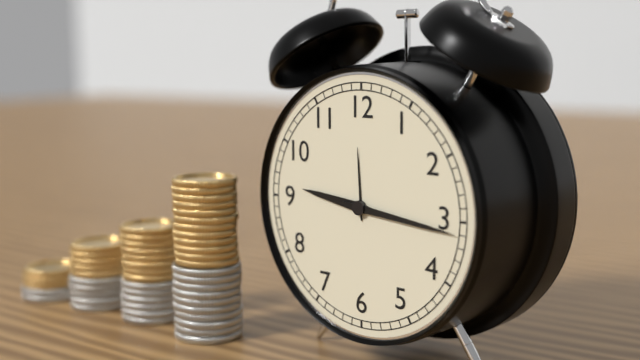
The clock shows **9:16**
